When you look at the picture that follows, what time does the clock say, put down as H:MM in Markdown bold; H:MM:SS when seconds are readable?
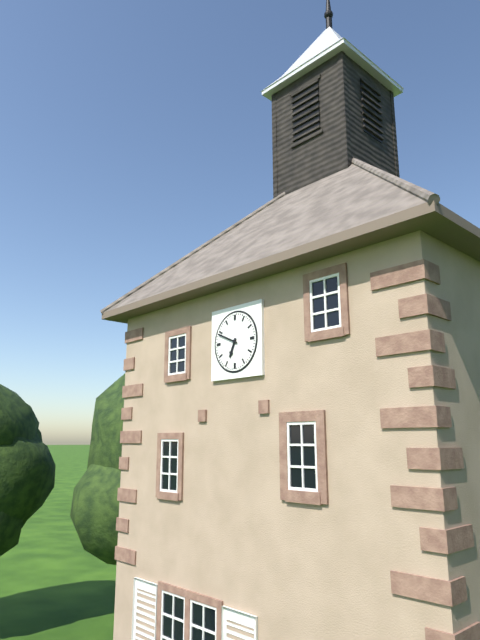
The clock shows **6:49**
